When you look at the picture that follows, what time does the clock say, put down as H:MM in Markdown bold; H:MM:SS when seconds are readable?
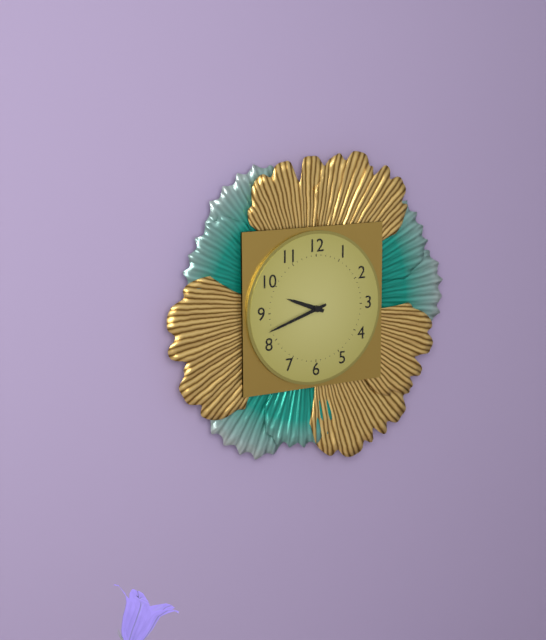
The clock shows **9:42**
